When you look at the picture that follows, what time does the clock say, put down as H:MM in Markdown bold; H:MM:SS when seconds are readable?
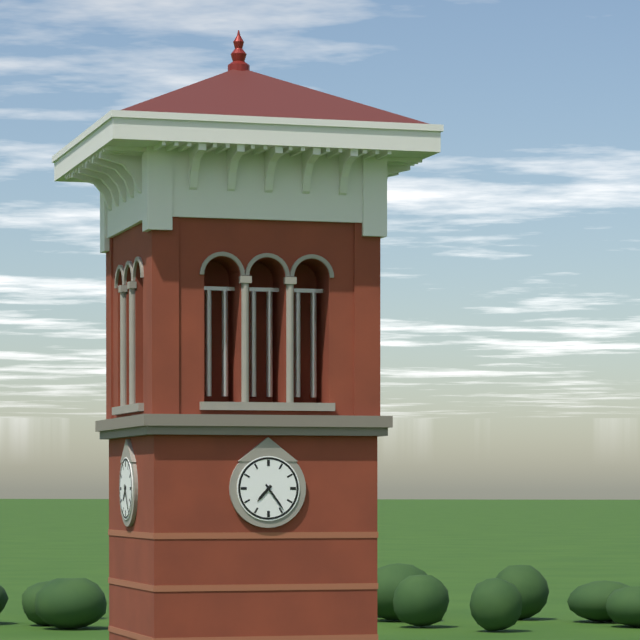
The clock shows **7:24**
